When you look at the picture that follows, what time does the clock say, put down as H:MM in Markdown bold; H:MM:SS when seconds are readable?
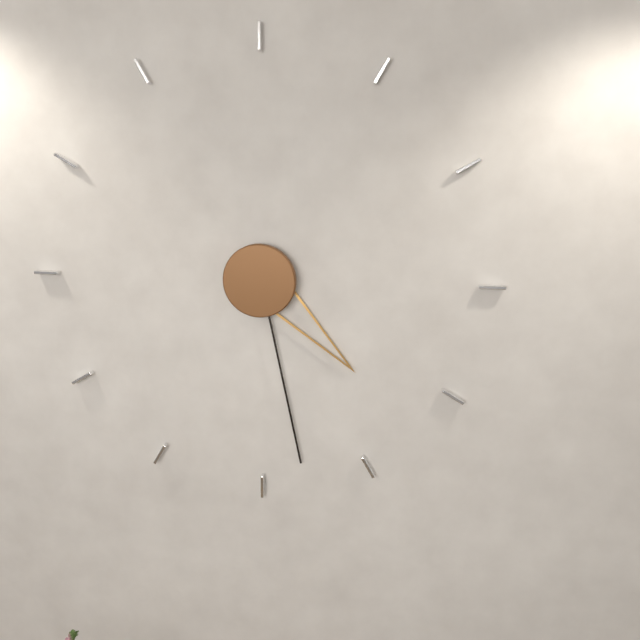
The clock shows **4:28**
